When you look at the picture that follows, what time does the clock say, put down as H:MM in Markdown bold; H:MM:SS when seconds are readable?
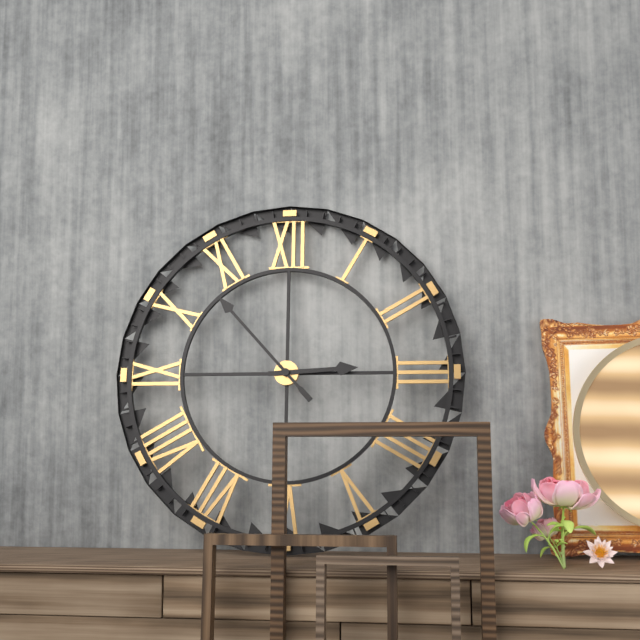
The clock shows **2:53**
